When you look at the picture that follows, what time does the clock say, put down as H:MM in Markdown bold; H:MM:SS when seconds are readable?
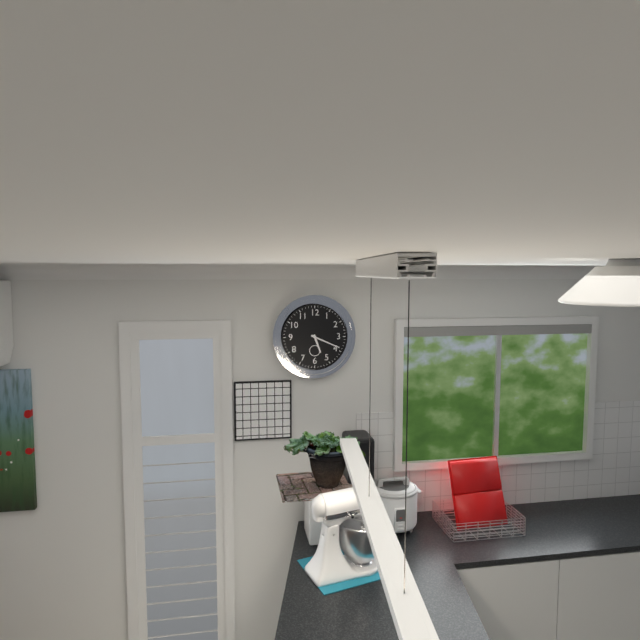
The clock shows **5:19**
